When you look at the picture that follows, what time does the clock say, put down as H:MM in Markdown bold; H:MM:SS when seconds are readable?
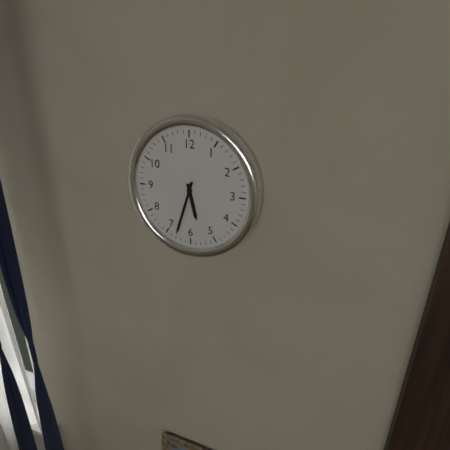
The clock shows **5:33**
